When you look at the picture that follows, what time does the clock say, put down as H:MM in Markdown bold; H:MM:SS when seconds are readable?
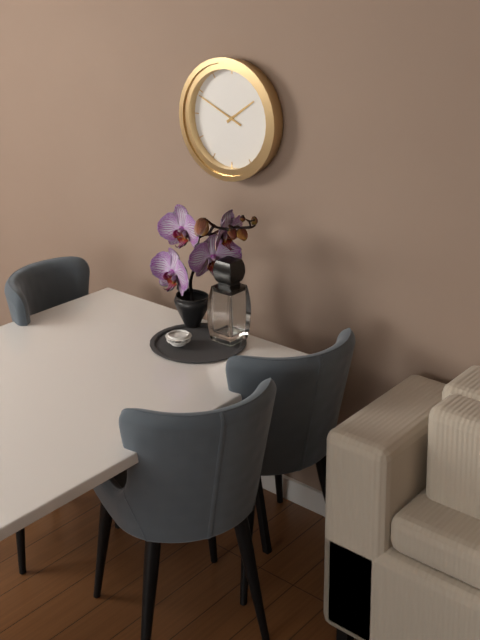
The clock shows **1:49**
